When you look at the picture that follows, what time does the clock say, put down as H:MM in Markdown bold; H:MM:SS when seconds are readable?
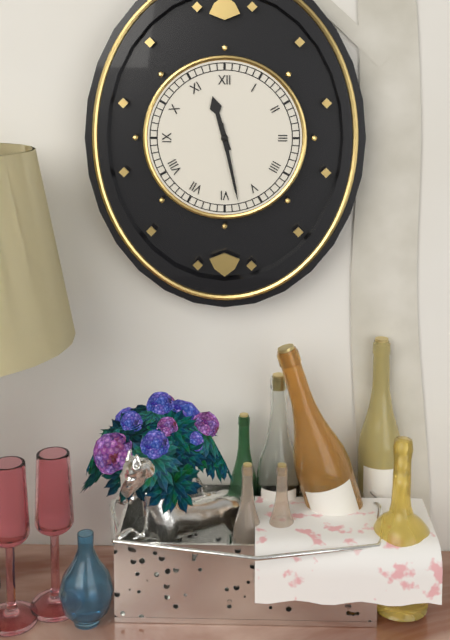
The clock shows **11:28**
